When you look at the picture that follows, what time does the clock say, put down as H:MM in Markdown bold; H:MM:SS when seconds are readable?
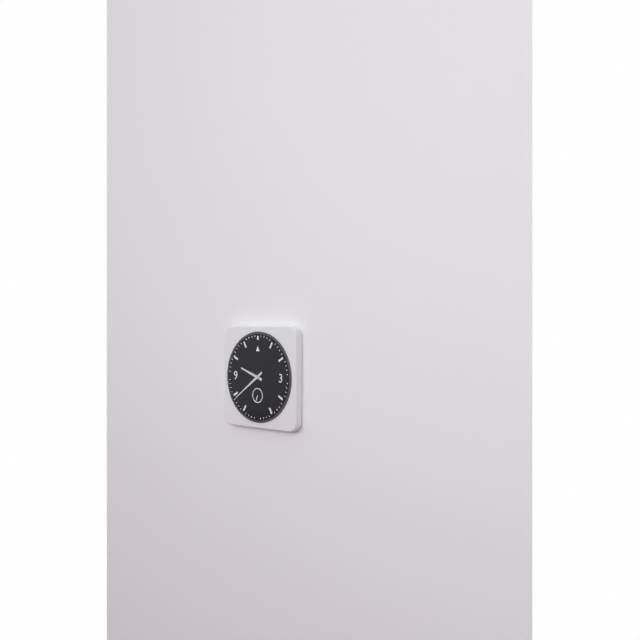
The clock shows **9:39**
